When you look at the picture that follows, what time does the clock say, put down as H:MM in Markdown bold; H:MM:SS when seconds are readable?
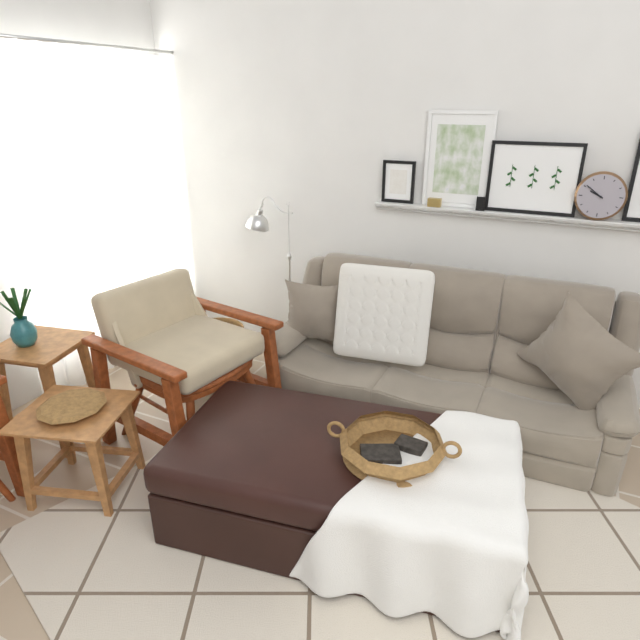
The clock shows **9:51**
